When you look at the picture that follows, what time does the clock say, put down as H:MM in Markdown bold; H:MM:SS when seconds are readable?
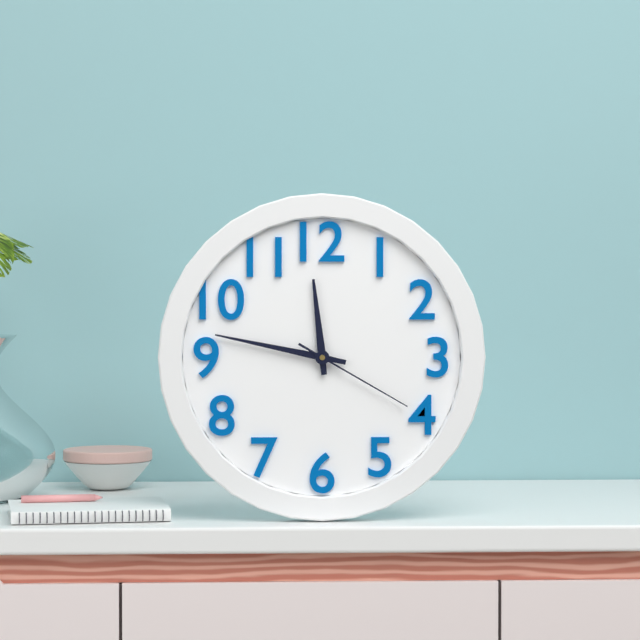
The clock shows **11:47:20**
